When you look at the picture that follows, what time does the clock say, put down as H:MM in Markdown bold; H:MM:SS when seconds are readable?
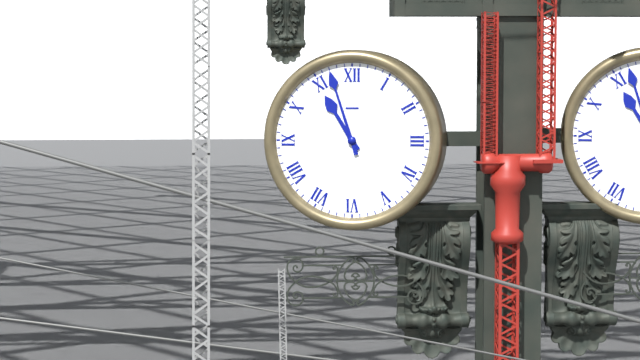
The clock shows **10:57**
